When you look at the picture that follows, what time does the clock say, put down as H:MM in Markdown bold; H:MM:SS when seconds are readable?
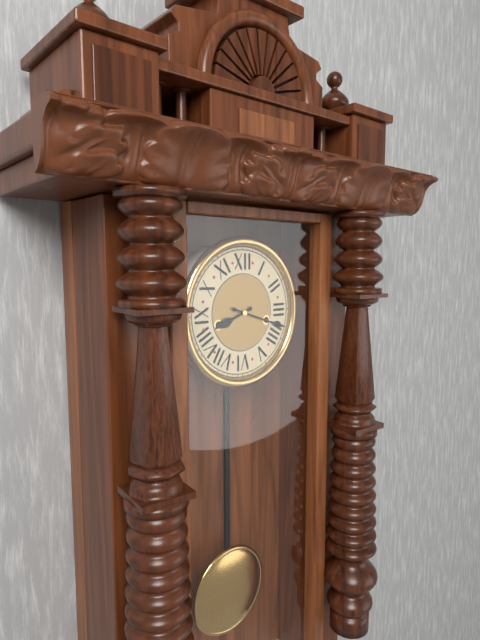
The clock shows **8:18**
